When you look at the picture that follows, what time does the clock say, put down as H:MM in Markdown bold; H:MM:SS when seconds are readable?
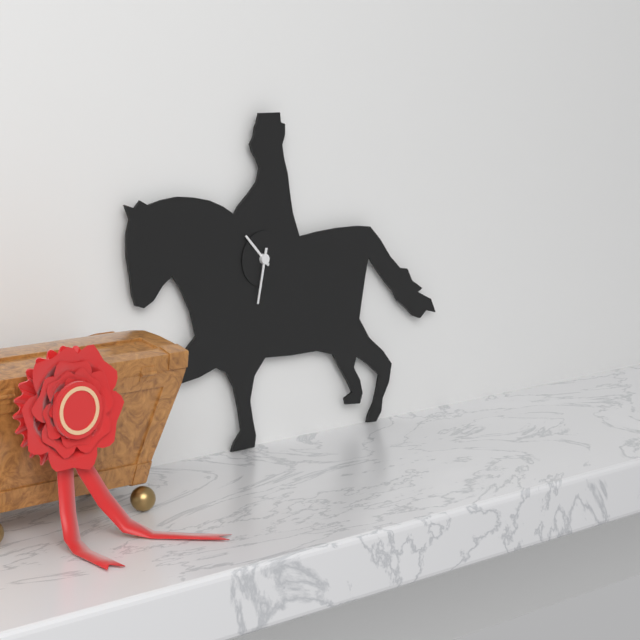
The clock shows **10:32**
